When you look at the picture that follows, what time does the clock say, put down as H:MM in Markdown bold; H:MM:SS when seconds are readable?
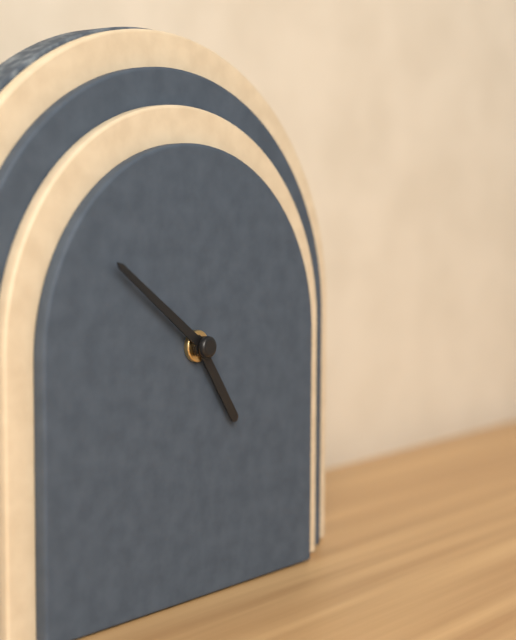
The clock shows **4:51**
